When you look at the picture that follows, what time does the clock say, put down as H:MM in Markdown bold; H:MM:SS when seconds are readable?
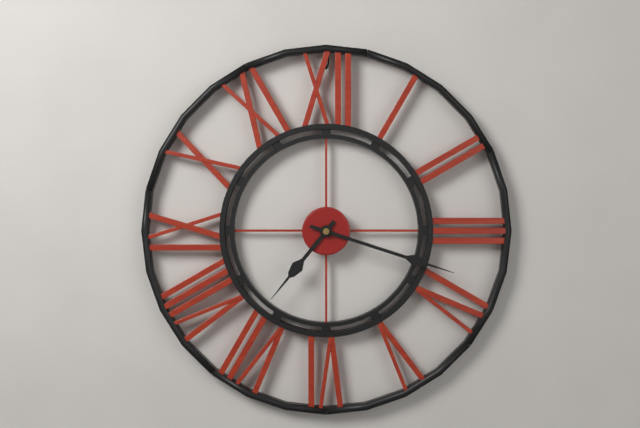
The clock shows **7:18**
